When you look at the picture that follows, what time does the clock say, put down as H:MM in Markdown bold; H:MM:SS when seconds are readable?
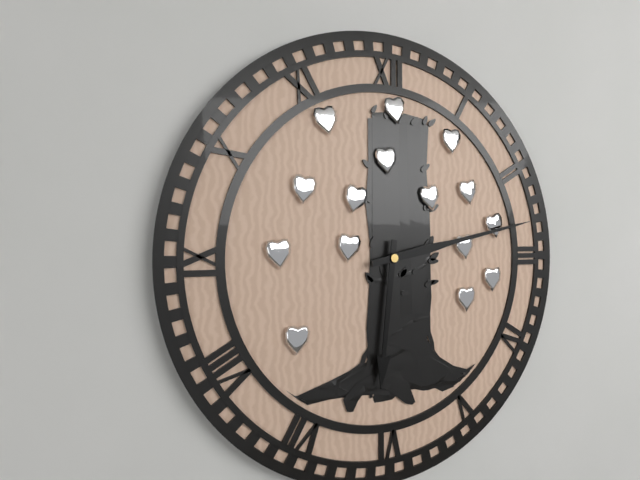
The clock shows **6:13**
